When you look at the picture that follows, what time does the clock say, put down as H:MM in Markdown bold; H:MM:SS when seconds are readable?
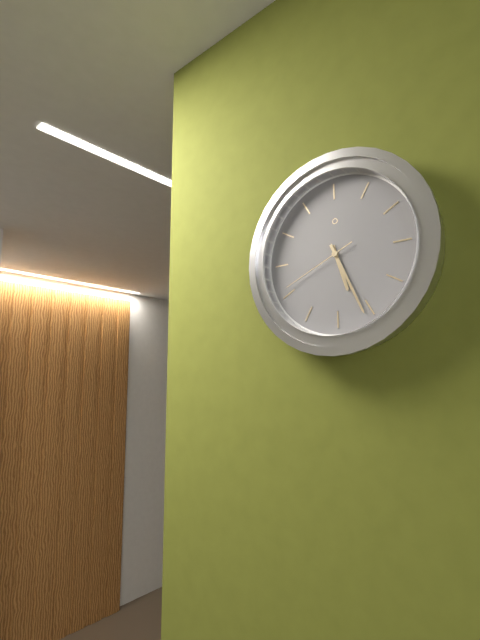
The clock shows **5:26:41**
